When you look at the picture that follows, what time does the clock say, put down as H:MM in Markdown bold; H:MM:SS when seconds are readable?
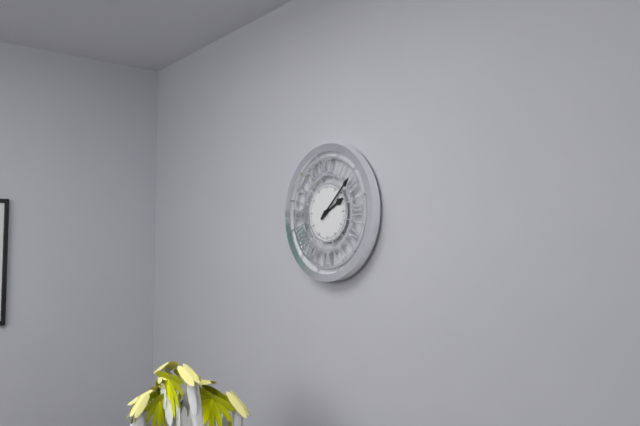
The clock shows **2:08**
